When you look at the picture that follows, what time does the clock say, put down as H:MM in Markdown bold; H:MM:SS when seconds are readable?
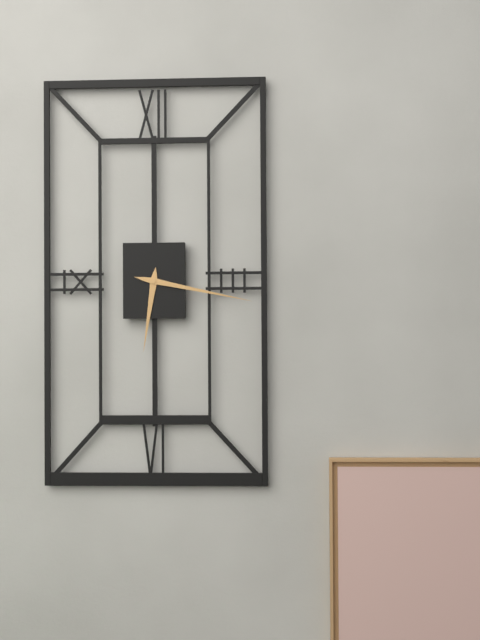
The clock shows **6:17**
